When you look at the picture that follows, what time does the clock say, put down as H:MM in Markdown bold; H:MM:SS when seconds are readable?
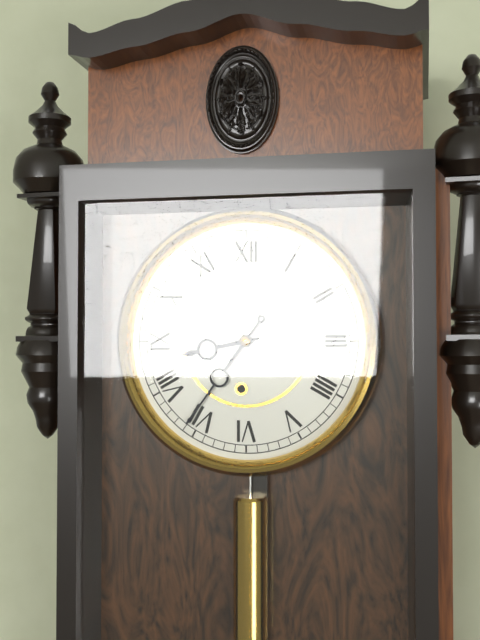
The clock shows **8:36**
